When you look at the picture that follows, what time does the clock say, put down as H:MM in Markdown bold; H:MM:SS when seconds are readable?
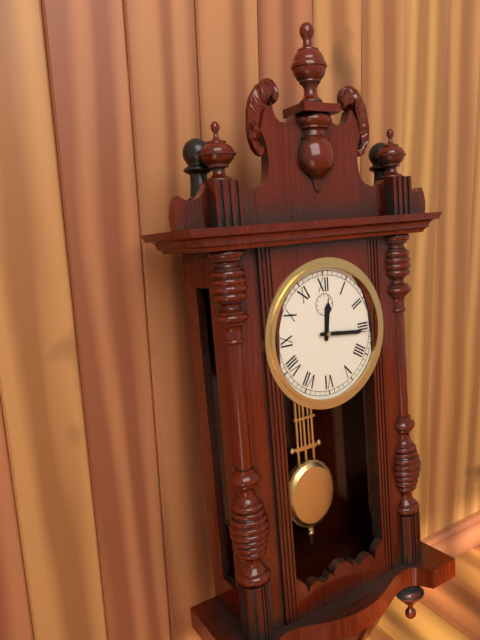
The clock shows **12:16**
